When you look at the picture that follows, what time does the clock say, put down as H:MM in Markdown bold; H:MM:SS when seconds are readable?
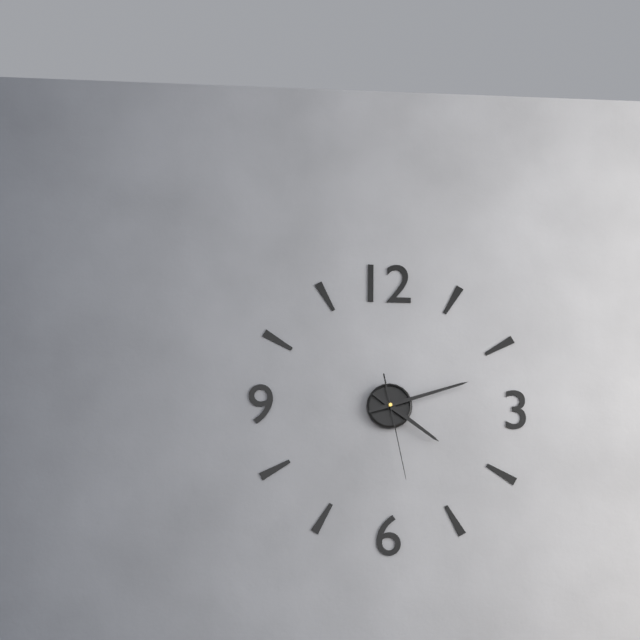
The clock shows **4:12:28**
